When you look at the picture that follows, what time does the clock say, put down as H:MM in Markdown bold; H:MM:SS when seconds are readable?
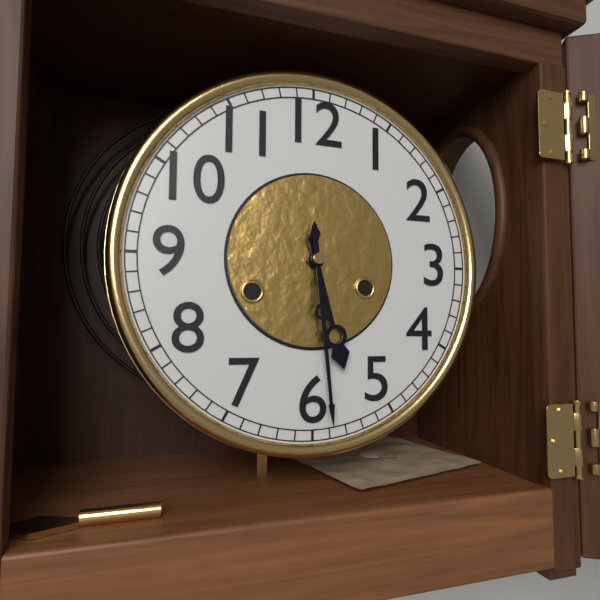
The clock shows **5:29**
